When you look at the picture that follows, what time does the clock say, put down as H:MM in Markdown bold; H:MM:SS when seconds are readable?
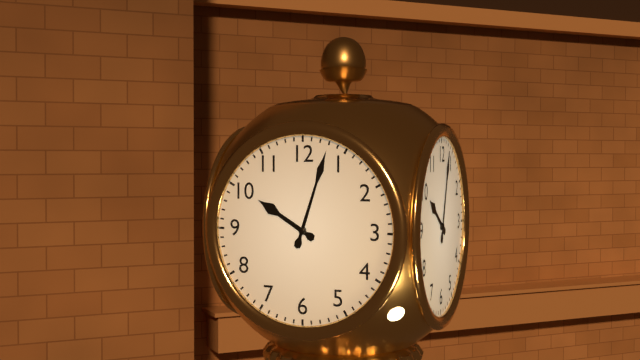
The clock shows **10:03**
